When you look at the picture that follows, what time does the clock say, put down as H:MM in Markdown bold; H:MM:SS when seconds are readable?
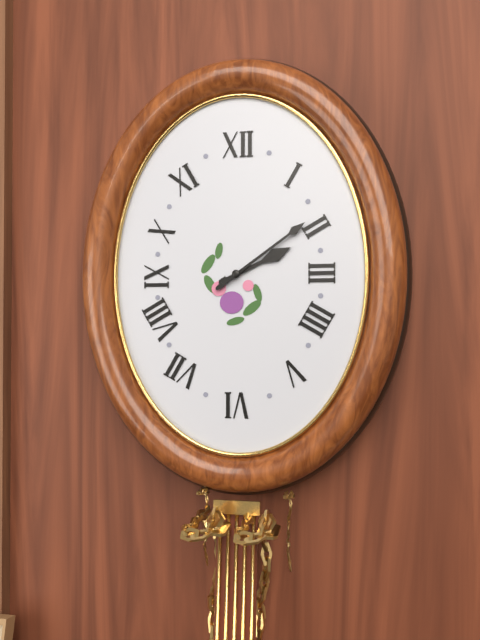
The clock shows **2:09**
